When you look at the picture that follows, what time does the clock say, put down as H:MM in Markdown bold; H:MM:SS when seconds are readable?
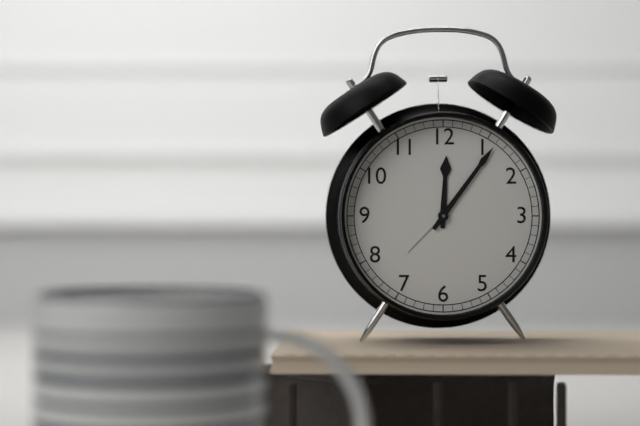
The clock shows **12:06**
